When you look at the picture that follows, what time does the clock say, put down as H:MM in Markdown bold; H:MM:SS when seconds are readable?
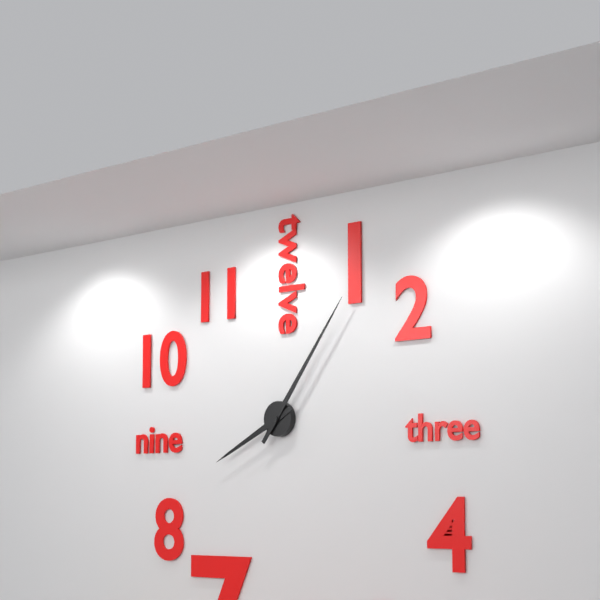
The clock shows **8:06**
